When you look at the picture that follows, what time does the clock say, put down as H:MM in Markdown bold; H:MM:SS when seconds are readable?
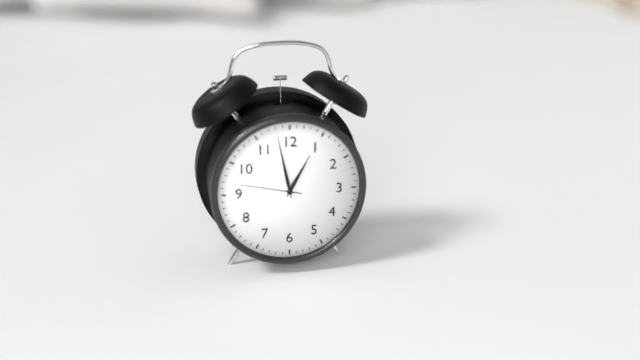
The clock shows **12:58:47**
